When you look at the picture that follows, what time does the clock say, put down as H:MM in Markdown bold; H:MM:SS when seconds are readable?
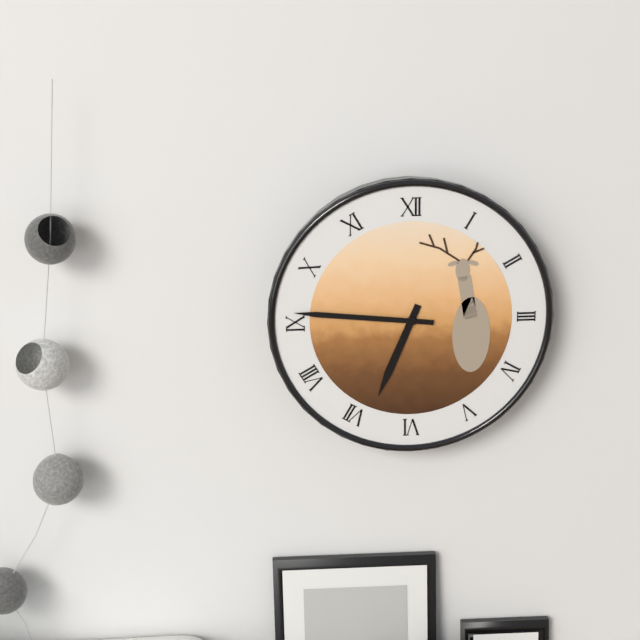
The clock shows **6:46**
